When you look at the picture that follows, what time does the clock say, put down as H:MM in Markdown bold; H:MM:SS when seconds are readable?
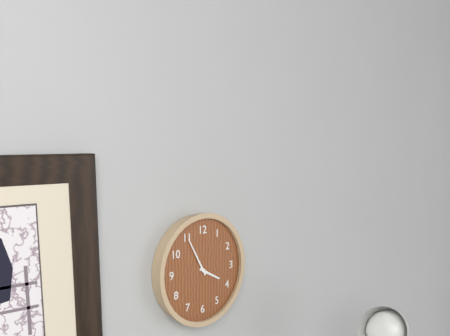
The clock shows **3:55**
